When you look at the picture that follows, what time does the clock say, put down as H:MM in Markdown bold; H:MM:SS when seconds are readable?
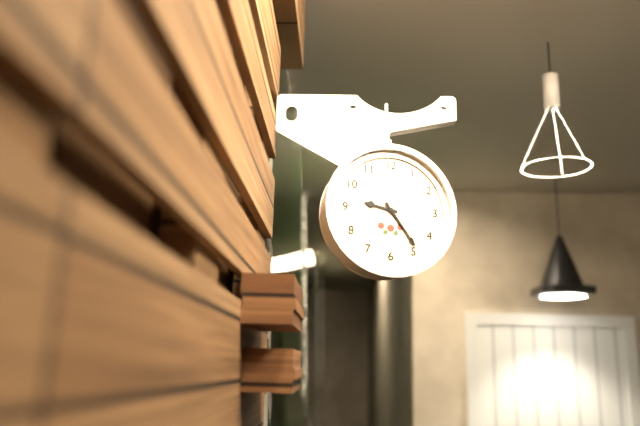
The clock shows **9:24**
